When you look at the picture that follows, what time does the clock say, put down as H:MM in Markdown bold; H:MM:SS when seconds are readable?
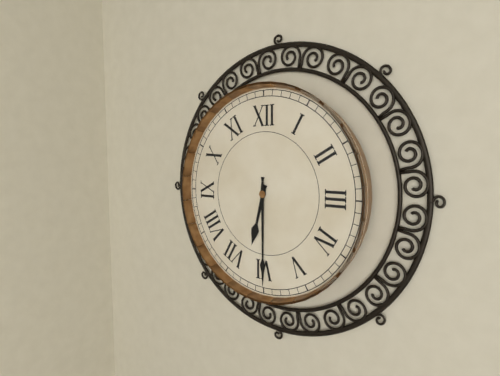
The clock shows **6:30**
